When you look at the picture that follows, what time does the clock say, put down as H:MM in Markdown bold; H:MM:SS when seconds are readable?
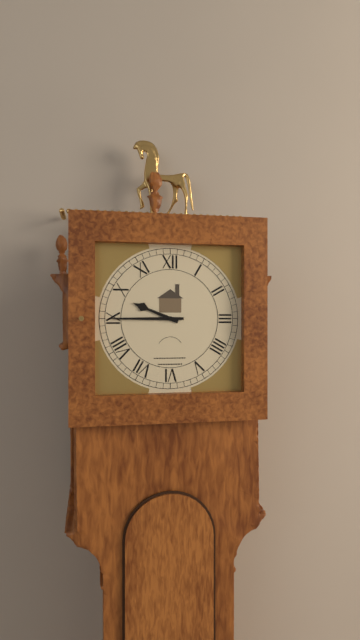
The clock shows **9:45**
